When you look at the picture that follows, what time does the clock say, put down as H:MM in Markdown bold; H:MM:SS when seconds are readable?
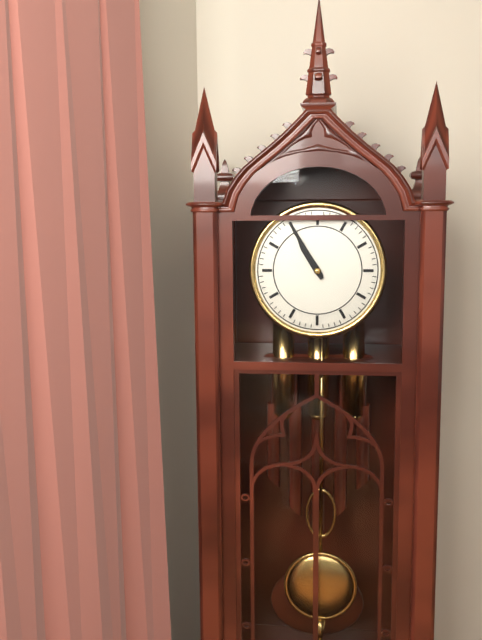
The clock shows **10:55**
